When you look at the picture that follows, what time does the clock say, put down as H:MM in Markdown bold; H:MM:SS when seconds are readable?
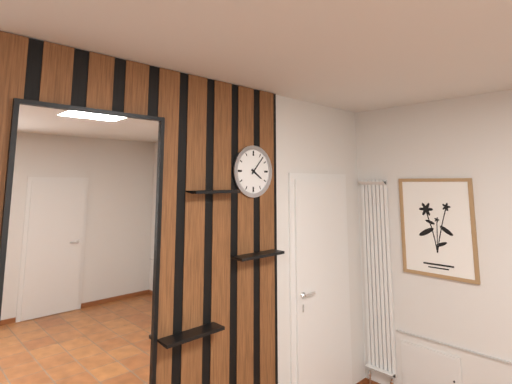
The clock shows **4:07**
